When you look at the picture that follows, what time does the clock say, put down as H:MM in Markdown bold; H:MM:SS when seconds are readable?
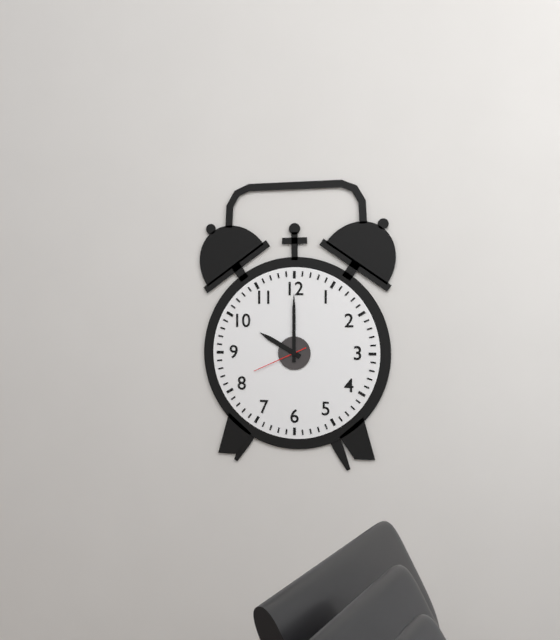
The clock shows **10:00:41**
